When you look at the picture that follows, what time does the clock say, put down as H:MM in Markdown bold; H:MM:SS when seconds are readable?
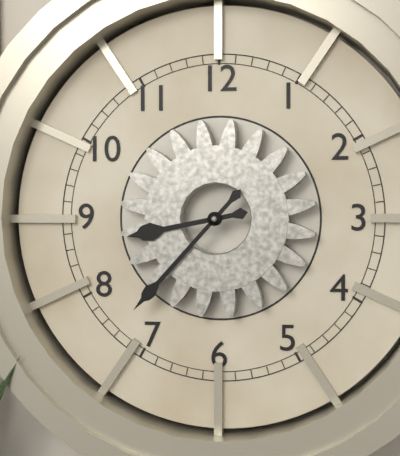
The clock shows **8:37**
